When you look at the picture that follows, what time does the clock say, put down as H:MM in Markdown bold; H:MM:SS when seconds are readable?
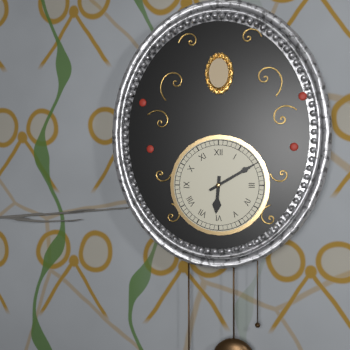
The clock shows **6:10**
